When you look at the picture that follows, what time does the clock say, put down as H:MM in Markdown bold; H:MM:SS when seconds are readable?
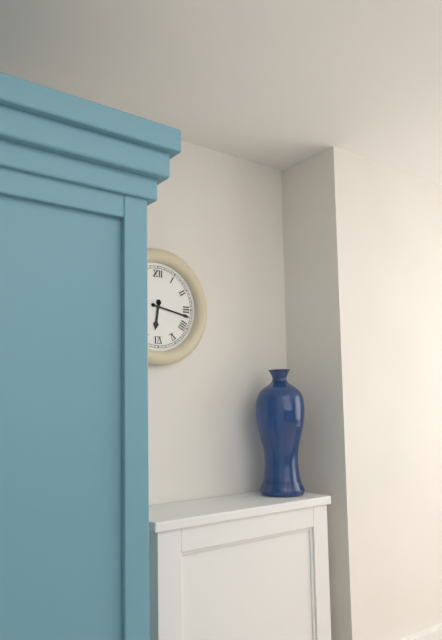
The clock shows **6:17**
